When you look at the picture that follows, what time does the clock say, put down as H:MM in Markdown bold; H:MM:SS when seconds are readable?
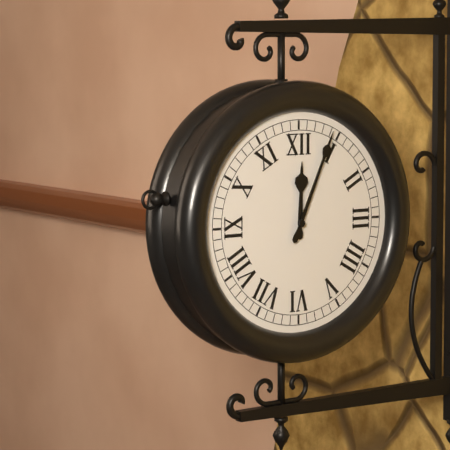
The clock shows **12:04**
